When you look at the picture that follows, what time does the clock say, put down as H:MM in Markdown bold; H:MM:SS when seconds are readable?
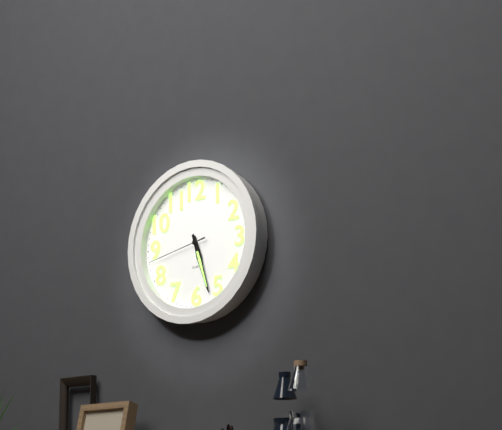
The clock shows **5:27:43**
